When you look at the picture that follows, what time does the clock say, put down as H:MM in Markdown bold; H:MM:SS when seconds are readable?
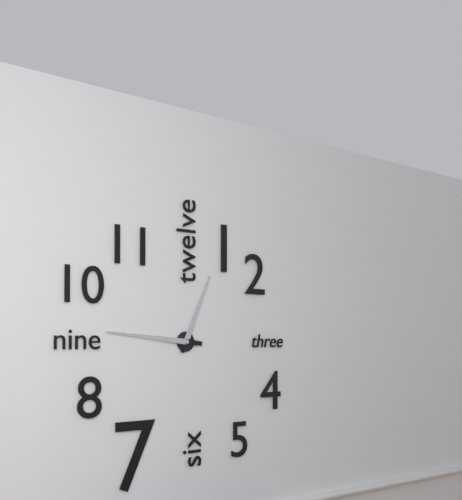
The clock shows **12:46**
